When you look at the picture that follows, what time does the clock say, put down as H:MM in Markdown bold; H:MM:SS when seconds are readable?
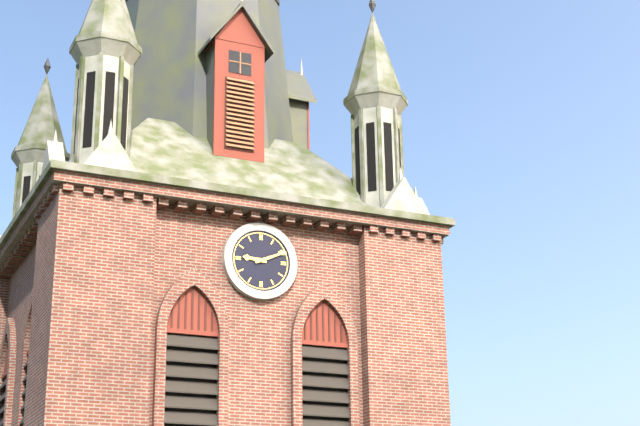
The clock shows **9:11**
